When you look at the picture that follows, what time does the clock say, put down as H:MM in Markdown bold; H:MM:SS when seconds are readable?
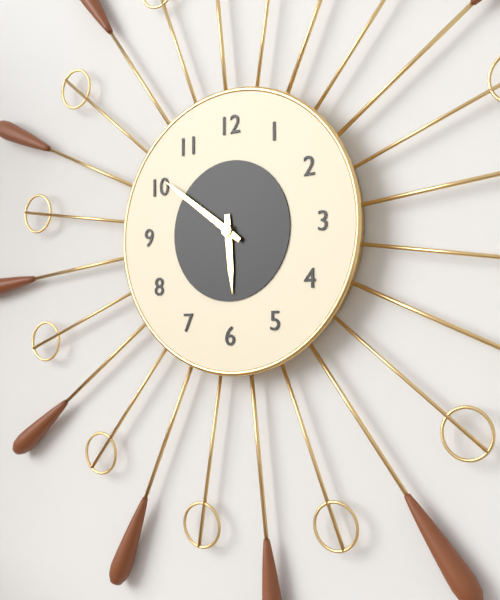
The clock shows **5:51**
